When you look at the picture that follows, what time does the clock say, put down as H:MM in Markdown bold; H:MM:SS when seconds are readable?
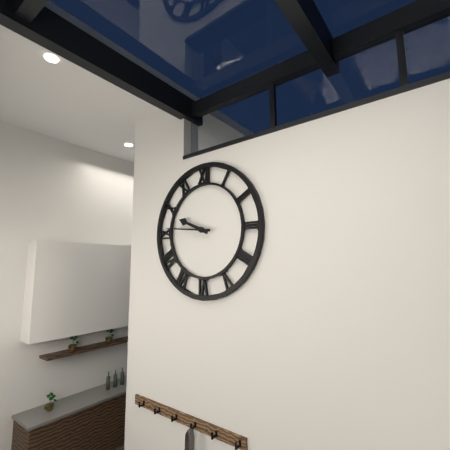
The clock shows **9:46**
